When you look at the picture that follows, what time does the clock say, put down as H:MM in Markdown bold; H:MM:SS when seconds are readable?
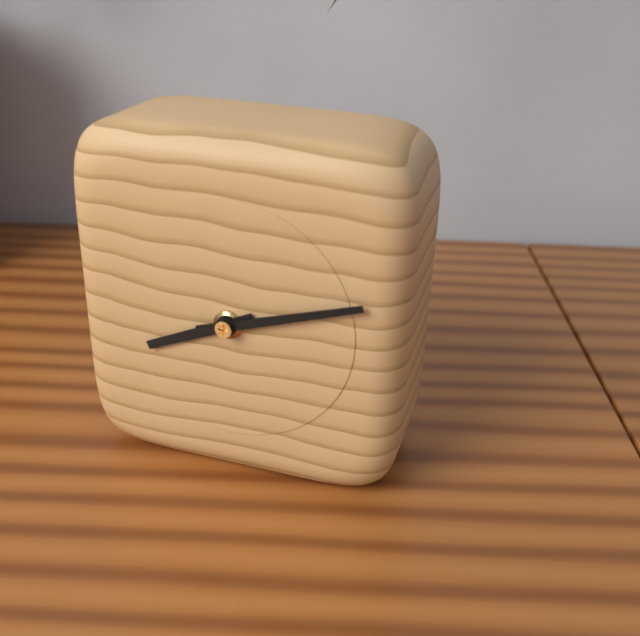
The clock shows **8:12**
